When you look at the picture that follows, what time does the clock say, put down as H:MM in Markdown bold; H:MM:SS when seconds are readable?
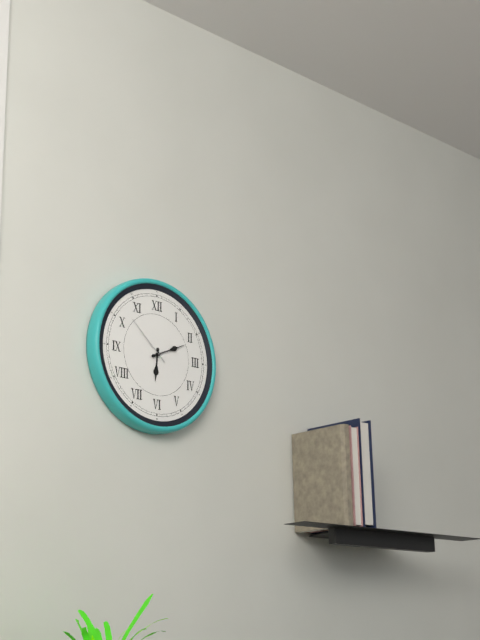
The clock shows **6:11:52**
